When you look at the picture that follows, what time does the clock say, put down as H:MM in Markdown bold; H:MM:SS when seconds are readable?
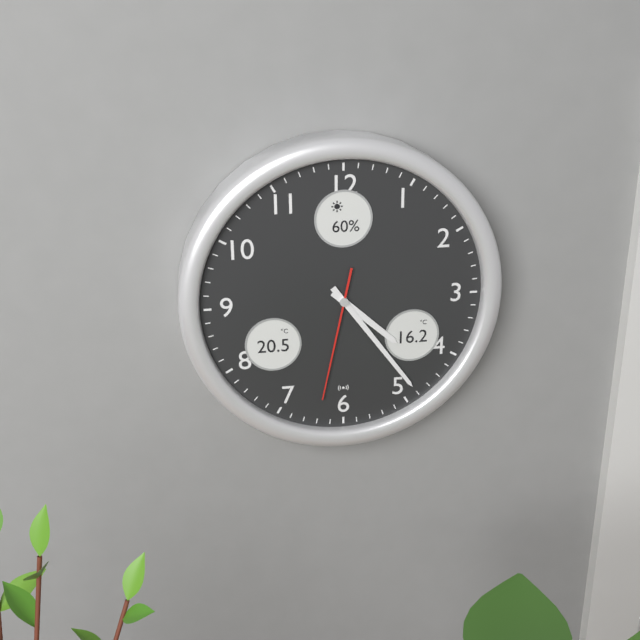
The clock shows **4:24:32**
